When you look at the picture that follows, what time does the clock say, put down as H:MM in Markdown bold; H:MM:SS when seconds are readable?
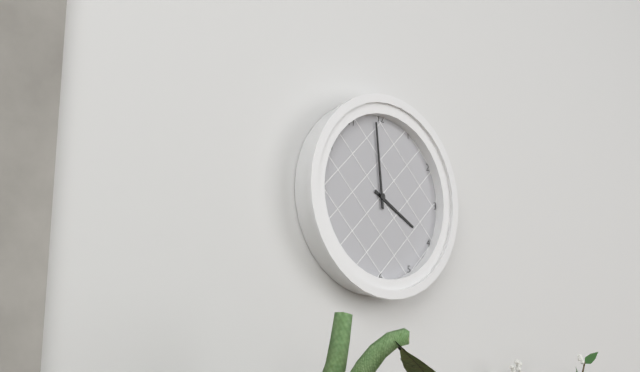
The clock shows **3:59**
